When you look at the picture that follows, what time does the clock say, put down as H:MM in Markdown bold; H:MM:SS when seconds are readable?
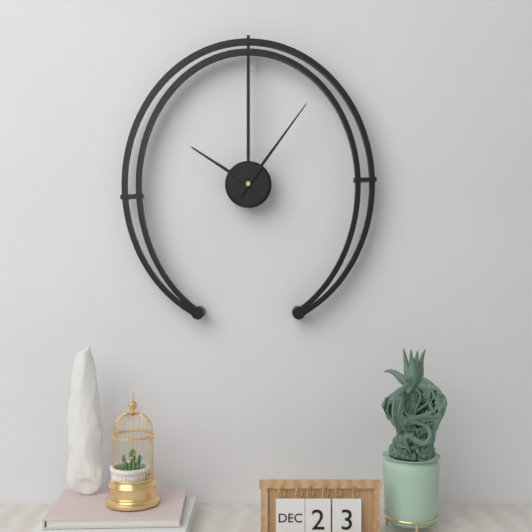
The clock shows **10:06**
